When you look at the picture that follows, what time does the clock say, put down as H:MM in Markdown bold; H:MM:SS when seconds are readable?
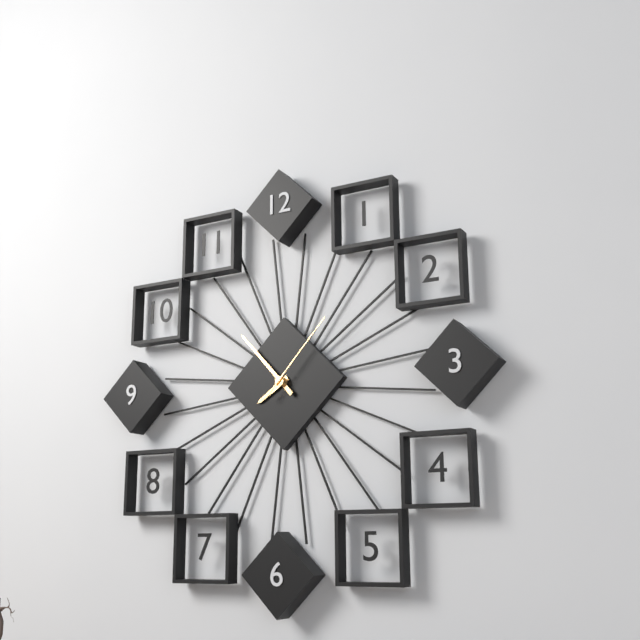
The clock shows **7:53:07**
